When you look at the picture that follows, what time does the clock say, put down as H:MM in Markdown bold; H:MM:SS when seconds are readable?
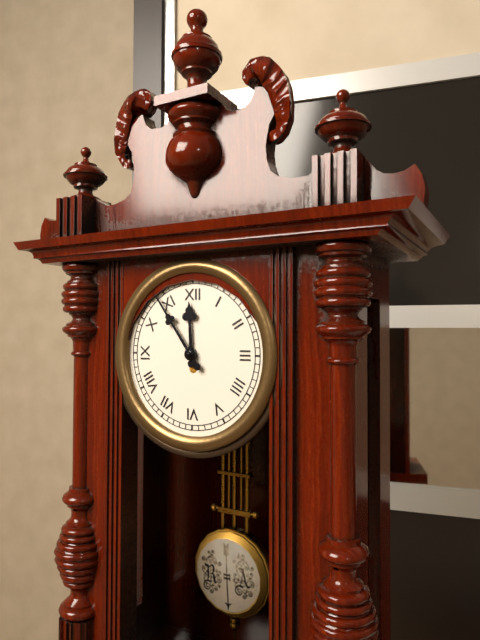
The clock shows **11:54**
